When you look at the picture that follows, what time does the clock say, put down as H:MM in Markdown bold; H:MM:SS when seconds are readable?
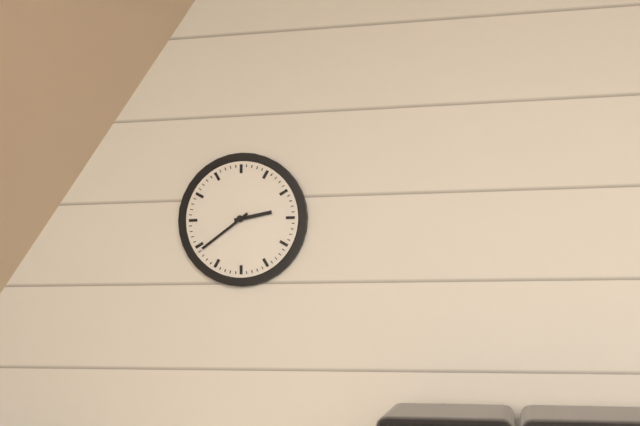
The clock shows **2:39**
